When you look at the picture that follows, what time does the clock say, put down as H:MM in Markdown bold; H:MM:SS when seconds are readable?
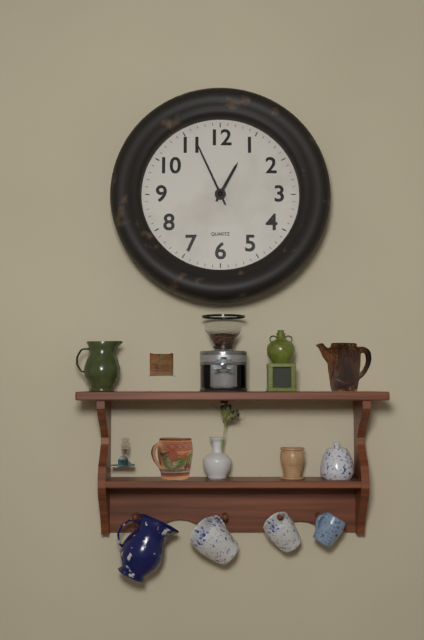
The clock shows **12:56**
